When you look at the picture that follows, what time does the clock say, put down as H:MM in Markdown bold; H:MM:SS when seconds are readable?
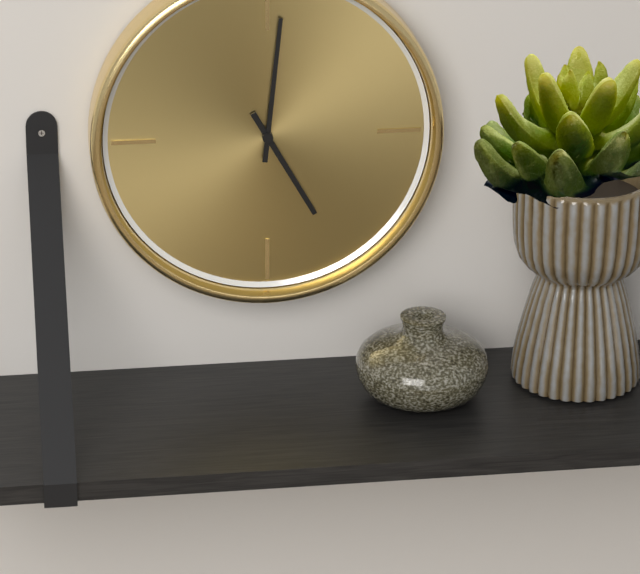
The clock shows **5:01**
